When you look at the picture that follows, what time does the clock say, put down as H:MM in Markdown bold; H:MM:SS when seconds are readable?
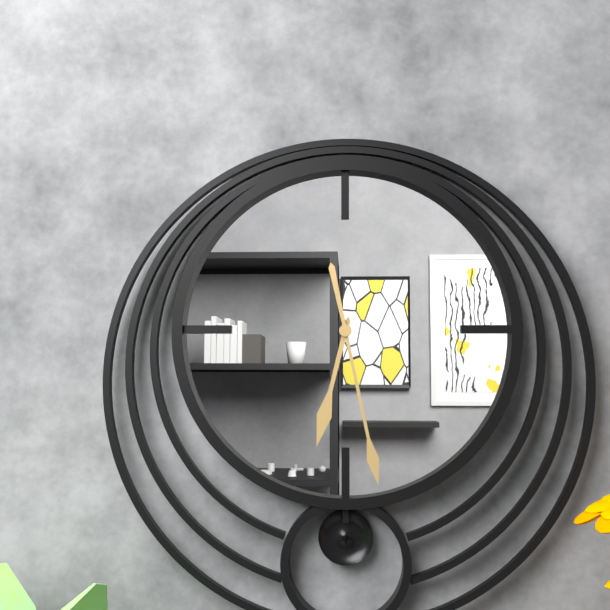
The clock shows **6:28**
